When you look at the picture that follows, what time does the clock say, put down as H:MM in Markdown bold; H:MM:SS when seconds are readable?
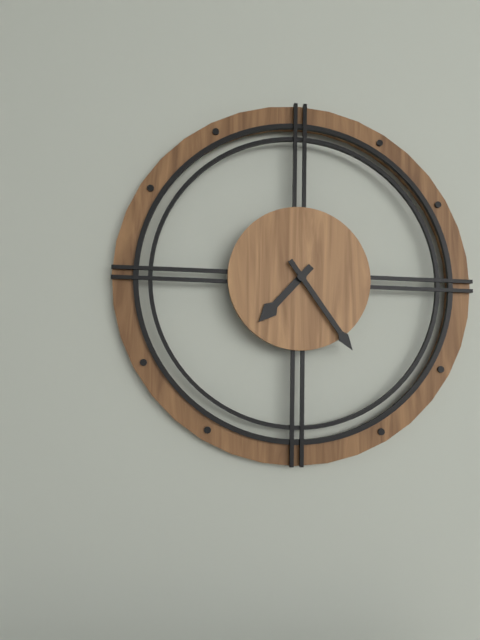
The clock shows **7:24**
